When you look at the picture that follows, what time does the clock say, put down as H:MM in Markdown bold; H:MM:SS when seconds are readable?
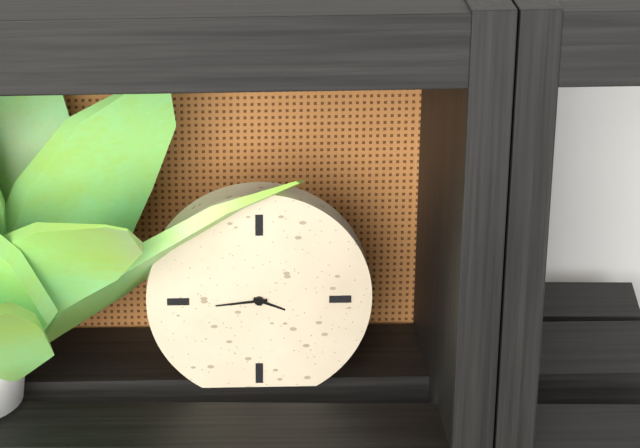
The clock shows **3:44**
